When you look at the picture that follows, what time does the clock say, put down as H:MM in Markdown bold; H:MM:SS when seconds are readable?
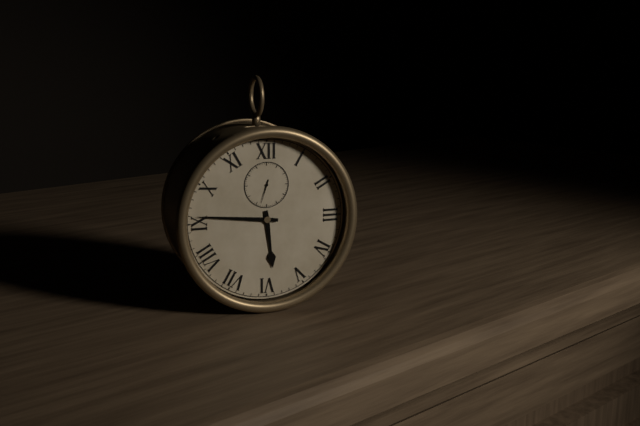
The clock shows **5:46**
